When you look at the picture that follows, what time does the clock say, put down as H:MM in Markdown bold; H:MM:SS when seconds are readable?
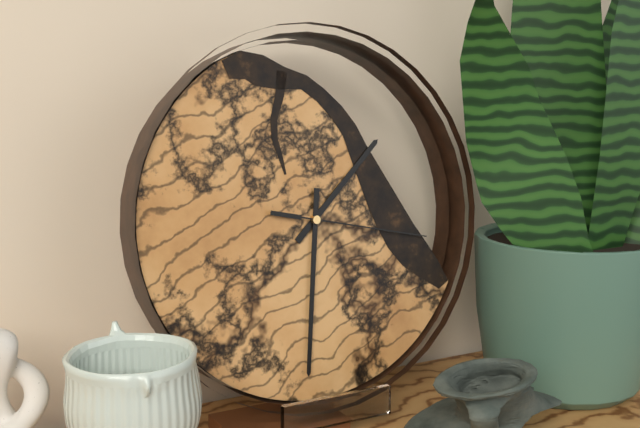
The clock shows **1:31:17**
